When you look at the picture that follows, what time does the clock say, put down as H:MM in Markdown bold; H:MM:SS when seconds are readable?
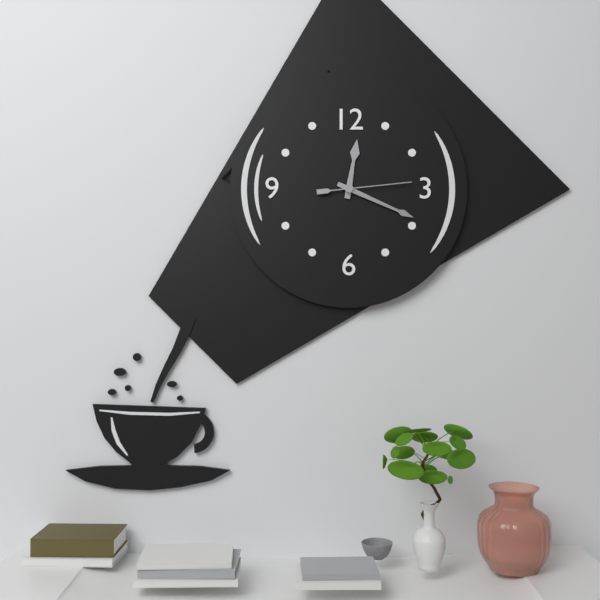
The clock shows **12:19:14**
